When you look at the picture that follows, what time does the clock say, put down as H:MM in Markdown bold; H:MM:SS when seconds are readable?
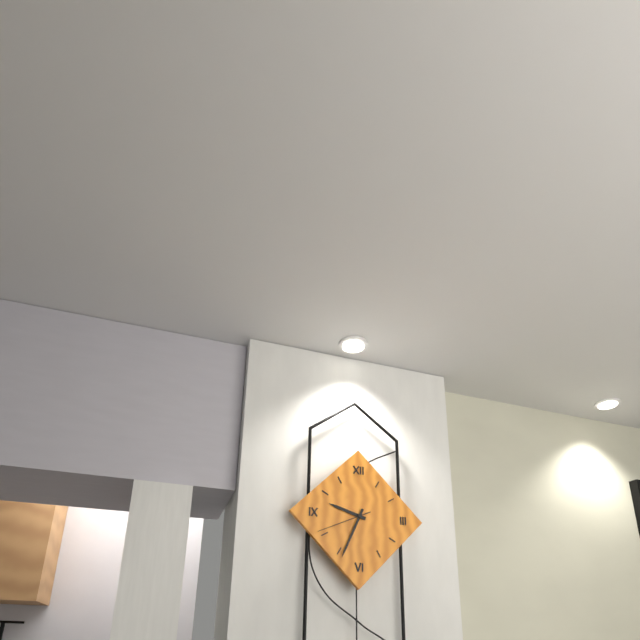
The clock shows **9:34:41**
